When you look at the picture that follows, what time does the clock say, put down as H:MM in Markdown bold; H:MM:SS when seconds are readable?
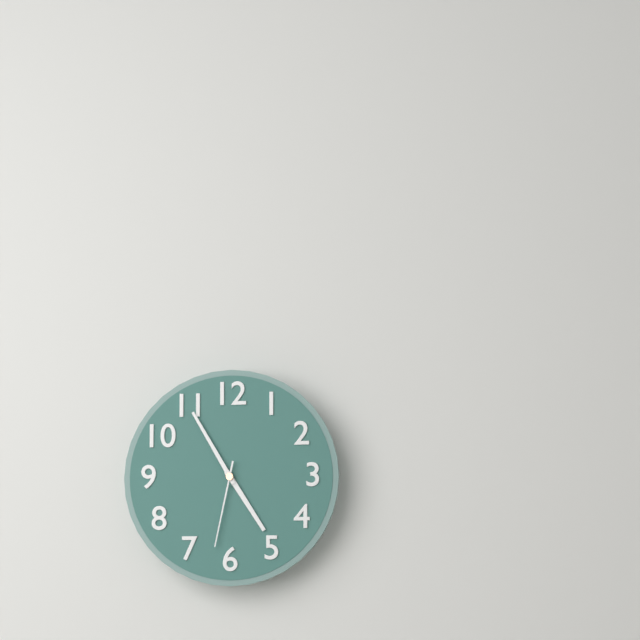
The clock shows **4:55:32**
